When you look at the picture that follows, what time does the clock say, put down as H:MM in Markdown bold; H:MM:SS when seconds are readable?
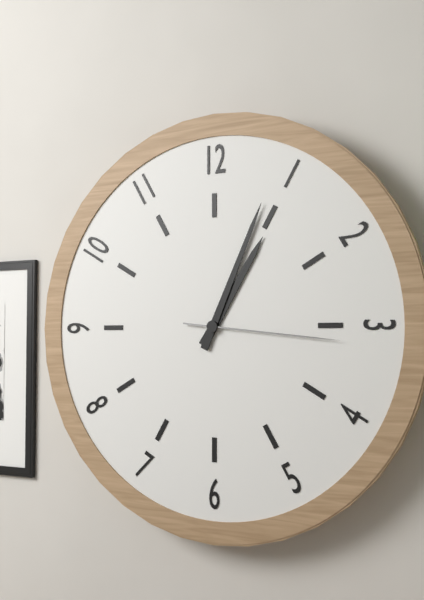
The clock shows **1:04:16**
